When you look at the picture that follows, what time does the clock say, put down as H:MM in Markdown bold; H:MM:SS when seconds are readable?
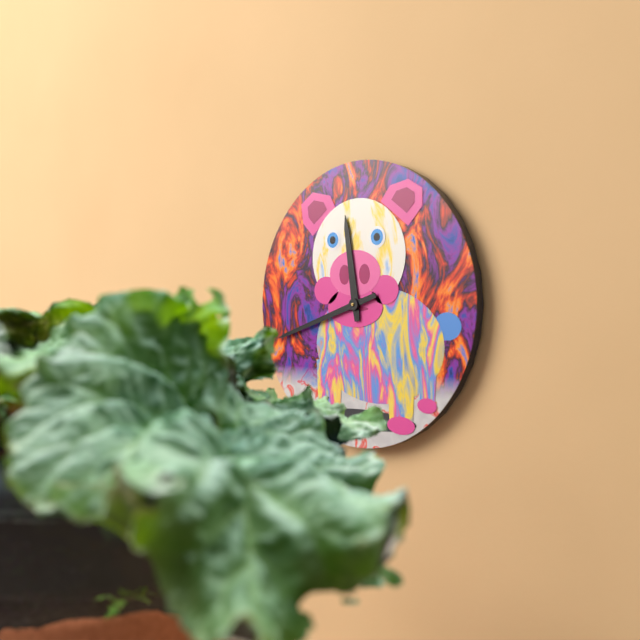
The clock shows **11:42**
